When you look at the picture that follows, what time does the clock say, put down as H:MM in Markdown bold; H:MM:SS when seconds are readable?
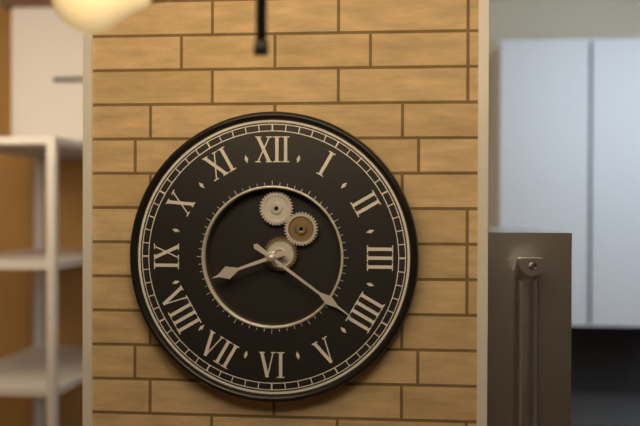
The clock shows **8:21**
